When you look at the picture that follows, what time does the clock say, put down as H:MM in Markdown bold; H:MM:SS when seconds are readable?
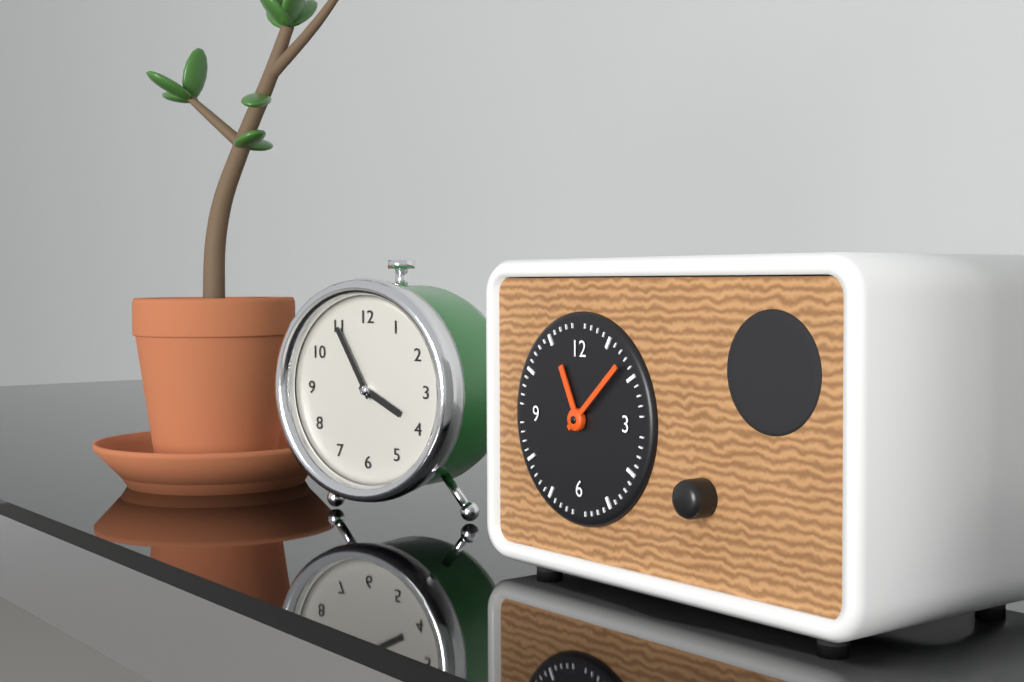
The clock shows **11:08**
